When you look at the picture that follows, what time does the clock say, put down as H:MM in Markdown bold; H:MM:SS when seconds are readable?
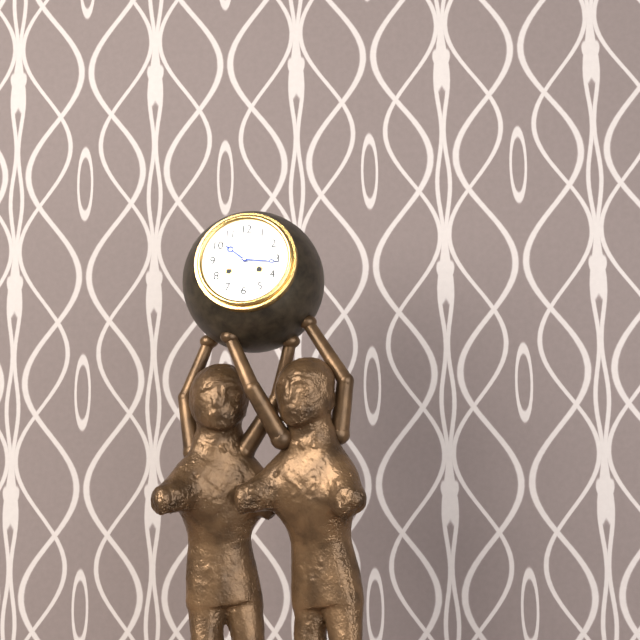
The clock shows **10:16**
